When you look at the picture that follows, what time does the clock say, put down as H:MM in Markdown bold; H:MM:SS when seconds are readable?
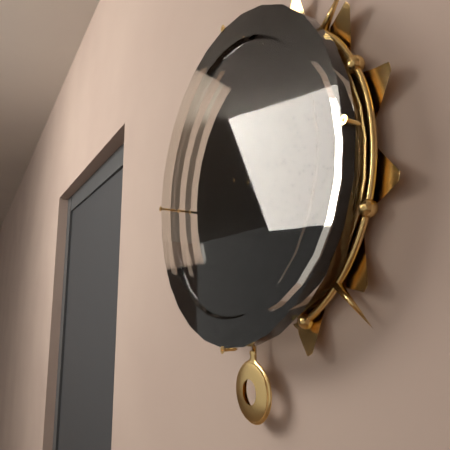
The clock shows **7:53**
